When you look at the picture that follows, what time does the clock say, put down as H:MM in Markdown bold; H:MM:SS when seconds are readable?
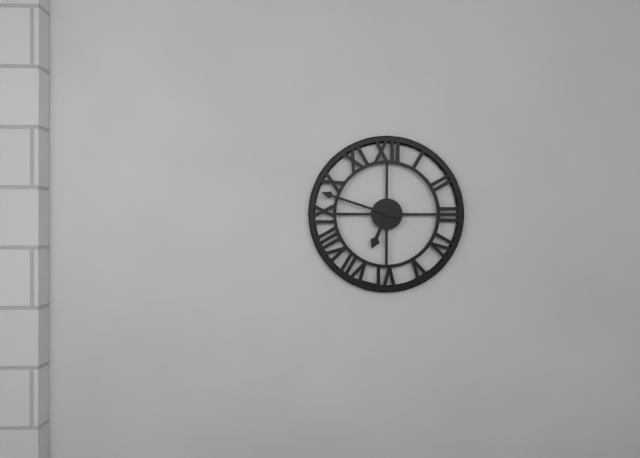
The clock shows **6:48**
